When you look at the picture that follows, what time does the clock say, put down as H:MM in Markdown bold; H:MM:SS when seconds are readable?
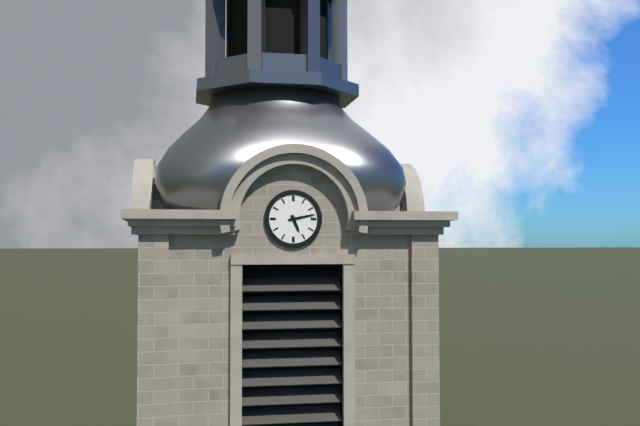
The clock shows **5:13**
